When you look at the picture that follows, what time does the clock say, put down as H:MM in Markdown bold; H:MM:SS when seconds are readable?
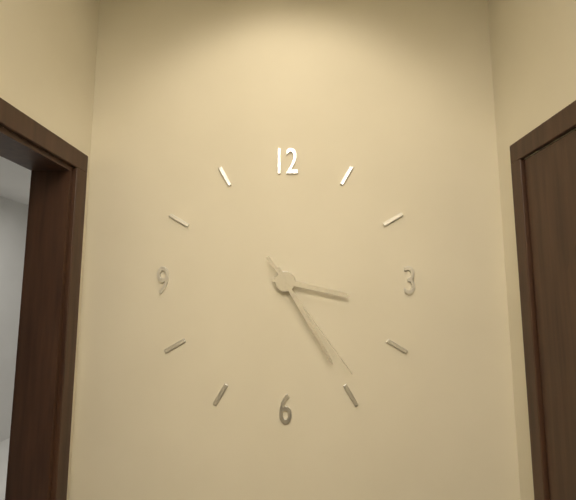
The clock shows **3:25:24**
